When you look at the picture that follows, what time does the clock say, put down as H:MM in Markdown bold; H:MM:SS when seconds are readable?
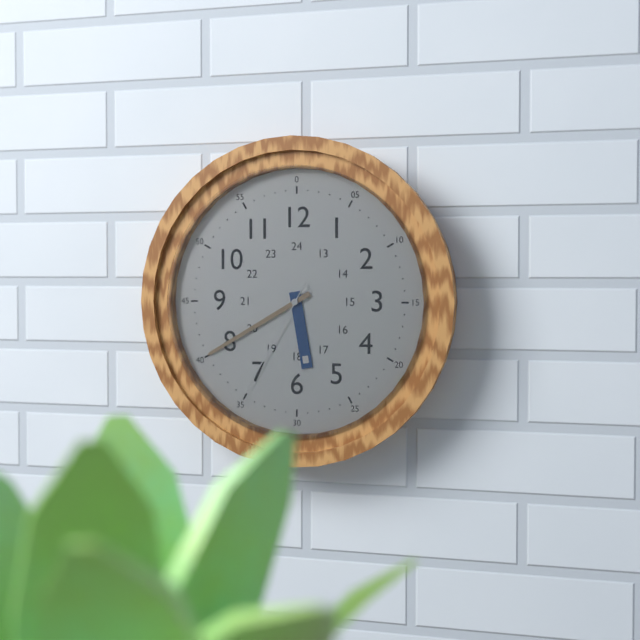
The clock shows **5:40:35**
